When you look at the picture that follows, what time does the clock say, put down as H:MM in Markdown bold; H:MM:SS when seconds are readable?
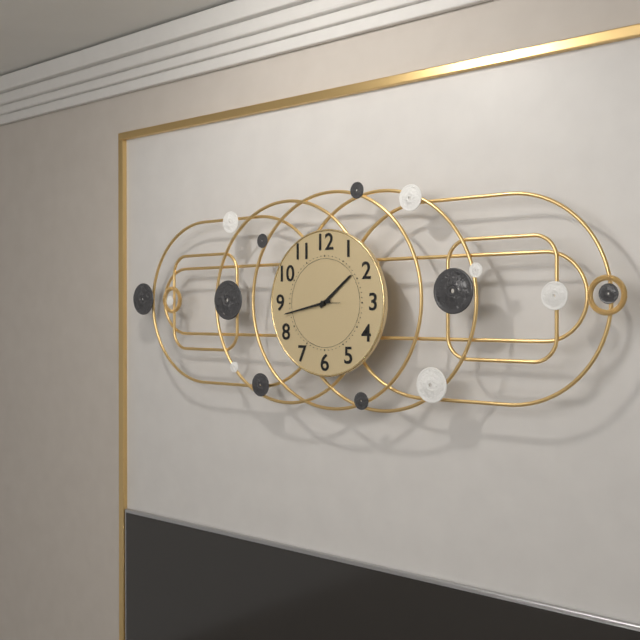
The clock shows **1:43**
